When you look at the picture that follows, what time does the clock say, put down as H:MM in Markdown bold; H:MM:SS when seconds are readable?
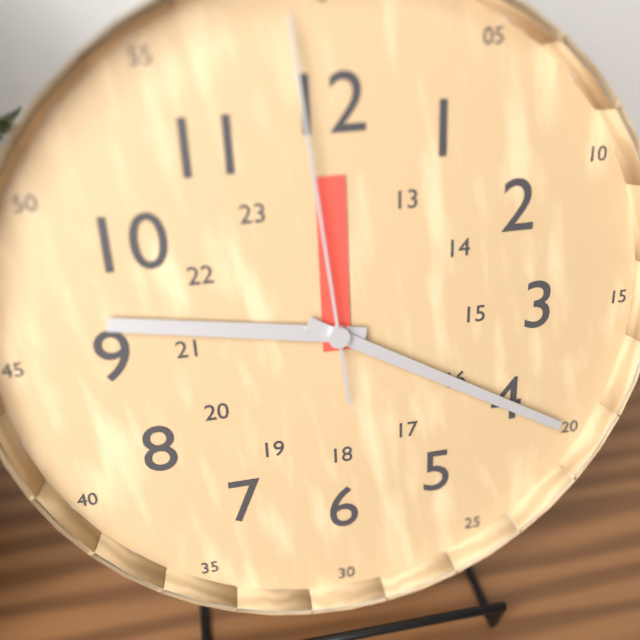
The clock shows **9:20:59**
